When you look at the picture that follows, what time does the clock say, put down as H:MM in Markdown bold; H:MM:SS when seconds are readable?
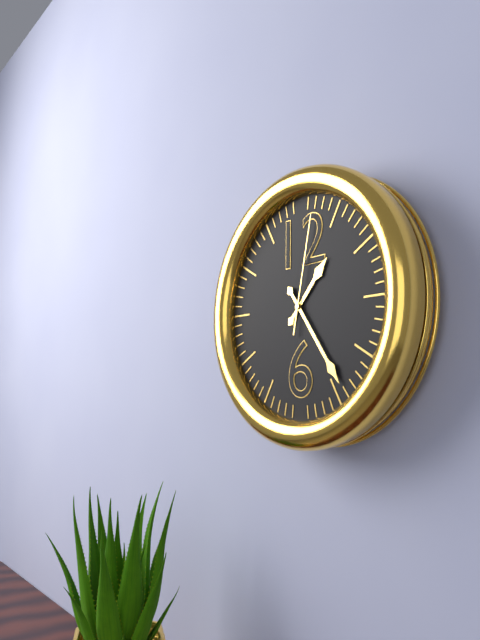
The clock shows **1:24:02**
